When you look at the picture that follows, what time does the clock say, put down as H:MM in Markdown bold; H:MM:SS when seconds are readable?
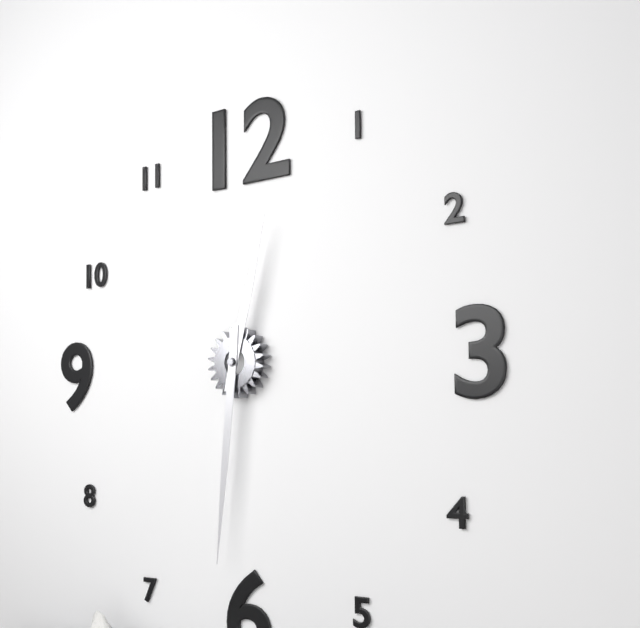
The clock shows **12:31**
